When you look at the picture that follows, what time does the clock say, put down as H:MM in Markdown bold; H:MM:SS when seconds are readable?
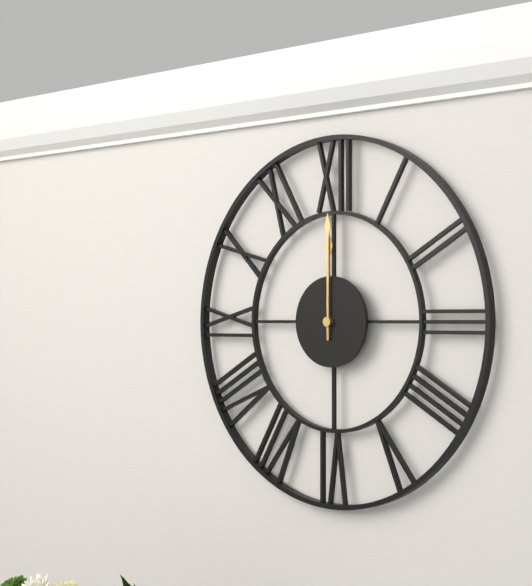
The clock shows **12:00**
